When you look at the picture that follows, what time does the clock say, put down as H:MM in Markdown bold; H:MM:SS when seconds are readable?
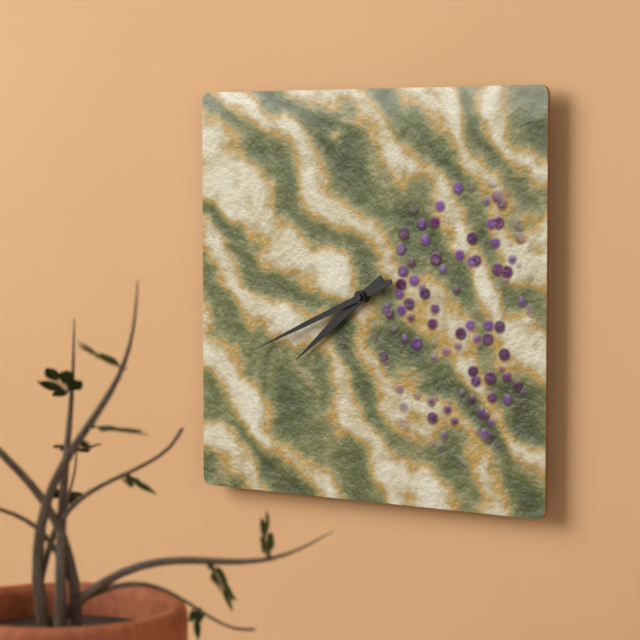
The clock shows **7:41**
